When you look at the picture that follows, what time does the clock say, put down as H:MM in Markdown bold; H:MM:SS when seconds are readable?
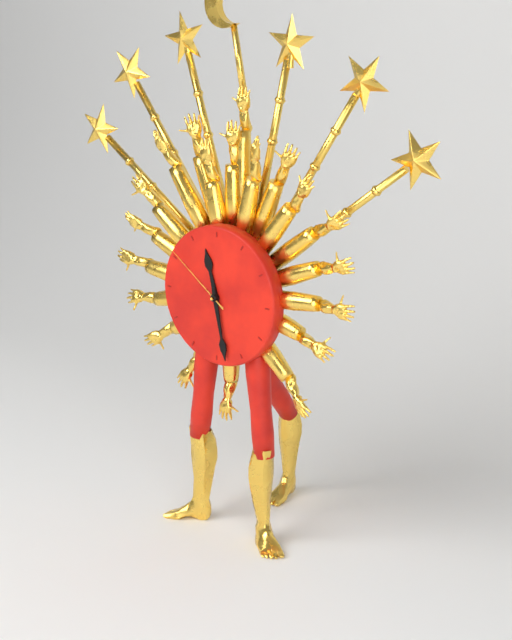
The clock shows **11:28:51**
